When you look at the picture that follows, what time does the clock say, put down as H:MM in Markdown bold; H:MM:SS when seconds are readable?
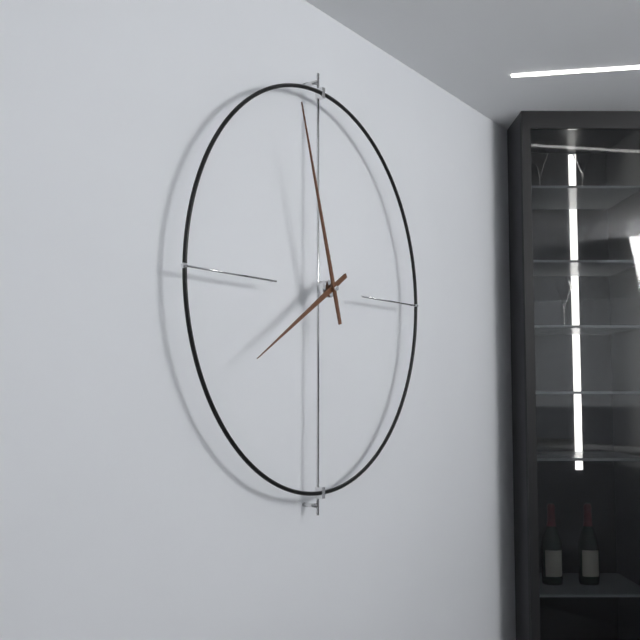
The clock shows **7:57**
